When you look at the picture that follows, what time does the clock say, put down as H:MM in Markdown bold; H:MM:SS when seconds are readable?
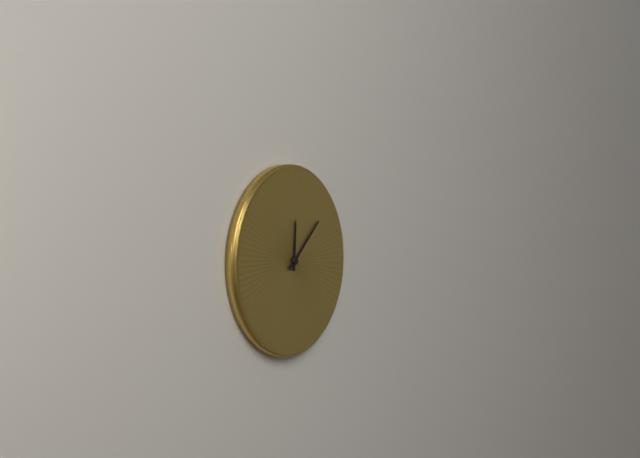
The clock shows **12:08**
